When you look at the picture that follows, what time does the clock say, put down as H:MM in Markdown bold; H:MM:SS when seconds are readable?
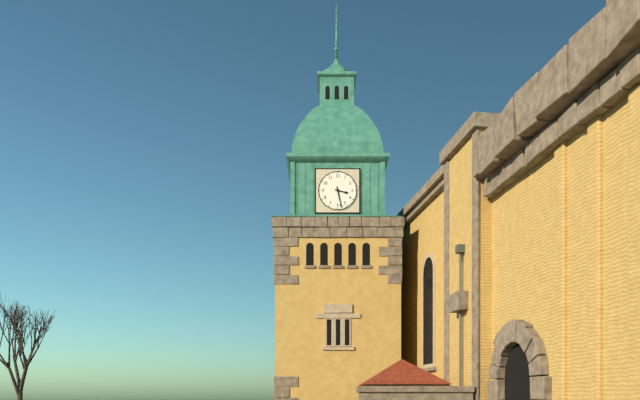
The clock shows **3:28**
